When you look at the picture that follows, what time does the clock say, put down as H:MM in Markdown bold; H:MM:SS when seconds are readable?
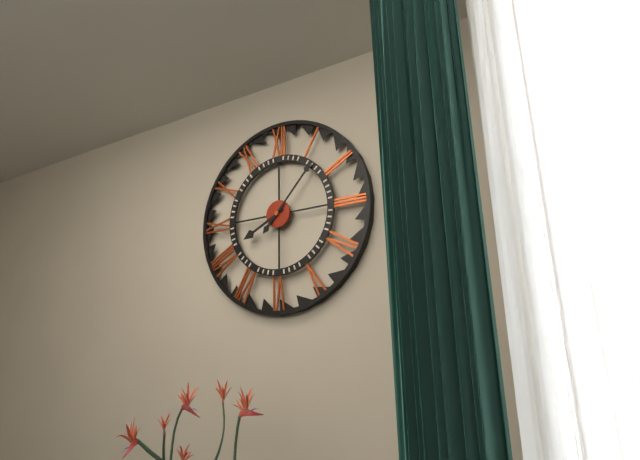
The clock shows **8:07**
